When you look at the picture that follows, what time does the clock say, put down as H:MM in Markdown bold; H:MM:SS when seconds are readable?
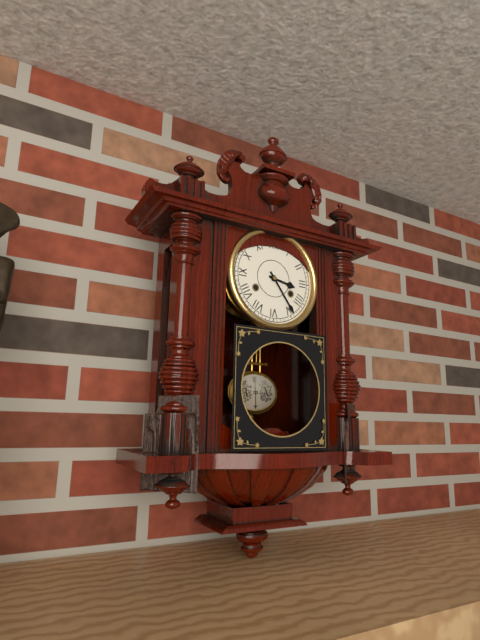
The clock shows **3:24**
